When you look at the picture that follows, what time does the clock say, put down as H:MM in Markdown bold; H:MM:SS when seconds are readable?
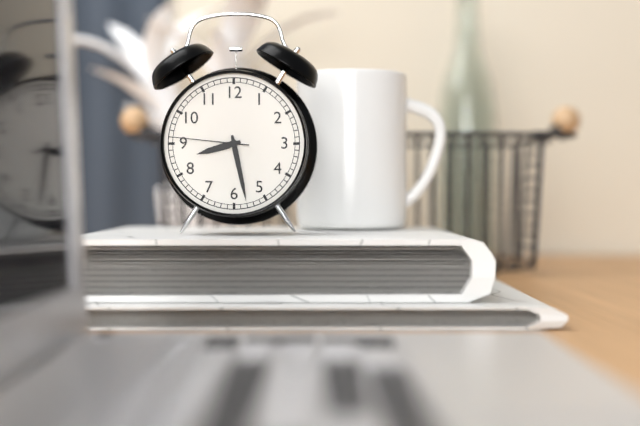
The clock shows **8:28:46**
